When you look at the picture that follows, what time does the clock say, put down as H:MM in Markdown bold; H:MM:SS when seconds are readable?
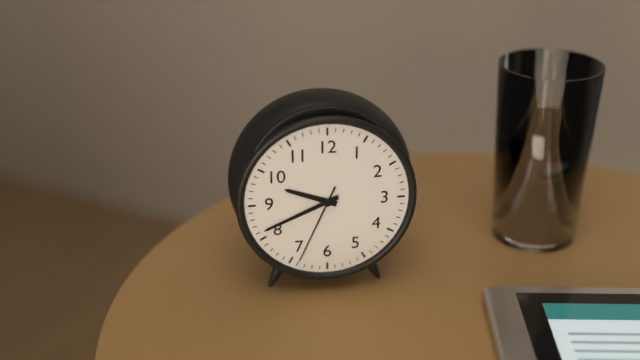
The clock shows **9:41:34**
